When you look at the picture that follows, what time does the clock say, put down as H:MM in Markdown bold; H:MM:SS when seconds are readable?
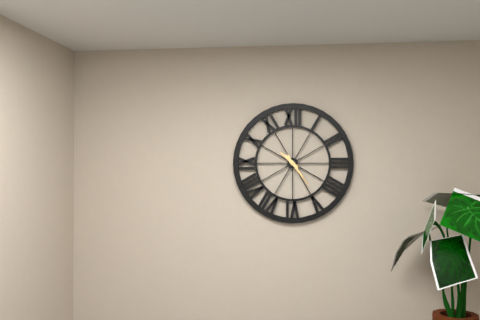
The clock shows **10:24**
